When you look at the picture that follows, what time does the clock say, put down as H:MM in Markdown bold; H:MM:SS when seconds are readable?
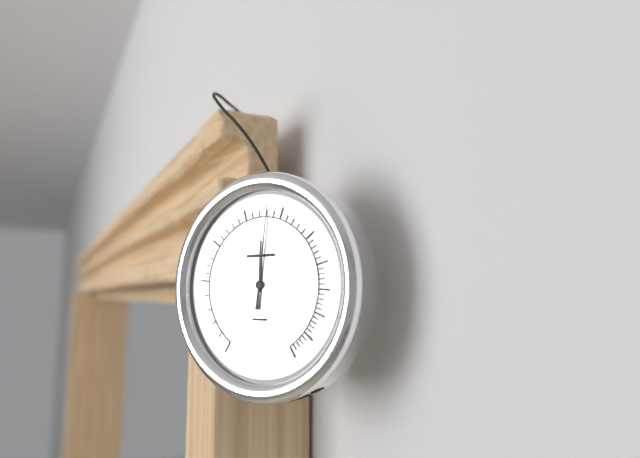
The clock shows **12:01**
